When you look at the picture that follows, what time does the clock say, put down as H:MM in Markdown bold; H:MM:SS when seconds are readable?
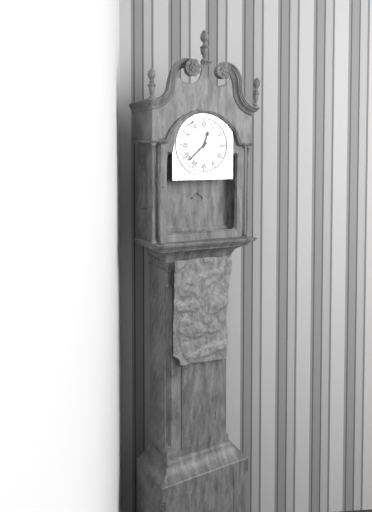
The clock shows **12:38**
